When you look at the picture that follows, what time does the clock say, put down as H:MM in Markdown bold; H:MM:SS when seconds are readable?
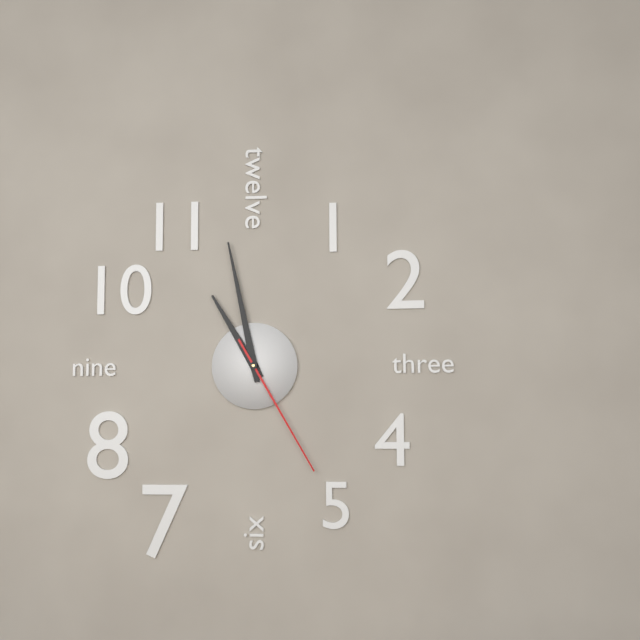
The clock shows **10:58:25**
